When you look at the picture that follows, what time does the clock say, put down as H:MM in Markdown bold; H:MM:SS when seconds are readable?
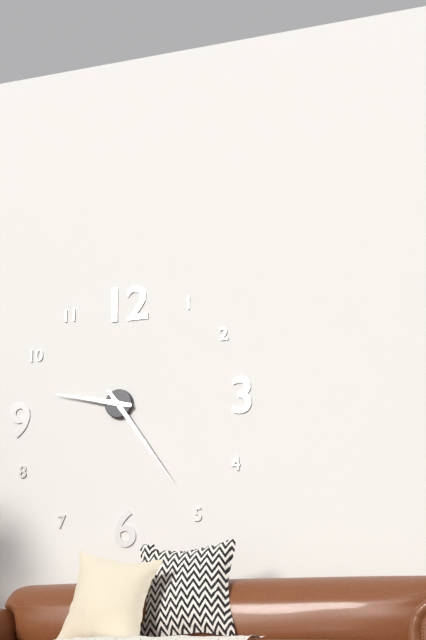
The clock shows **9:24**
